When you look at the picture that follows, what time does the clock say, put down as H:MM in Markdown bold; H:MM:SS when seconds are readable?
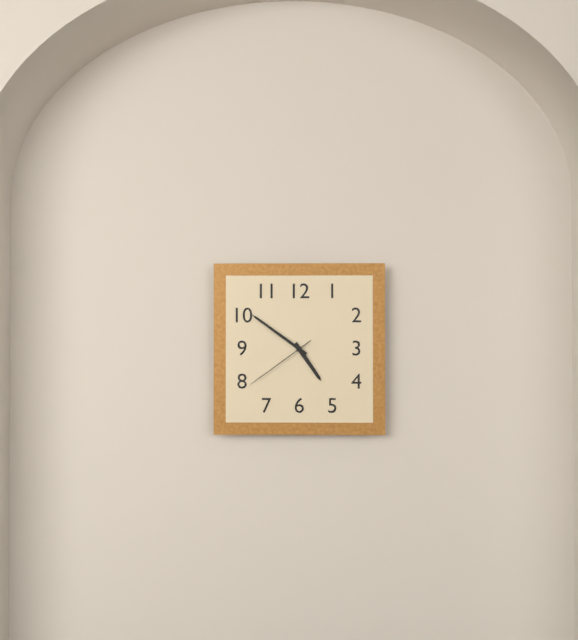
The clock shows **4:51:39**
